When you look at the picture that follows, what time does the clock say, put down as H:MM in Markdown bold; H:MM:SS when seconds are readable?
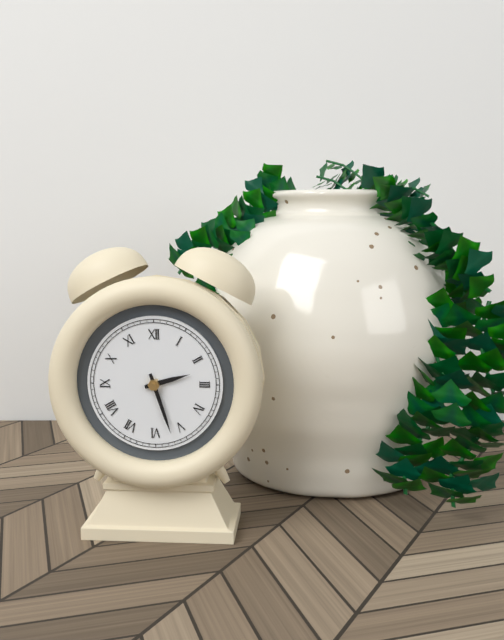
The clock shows **2:27**
